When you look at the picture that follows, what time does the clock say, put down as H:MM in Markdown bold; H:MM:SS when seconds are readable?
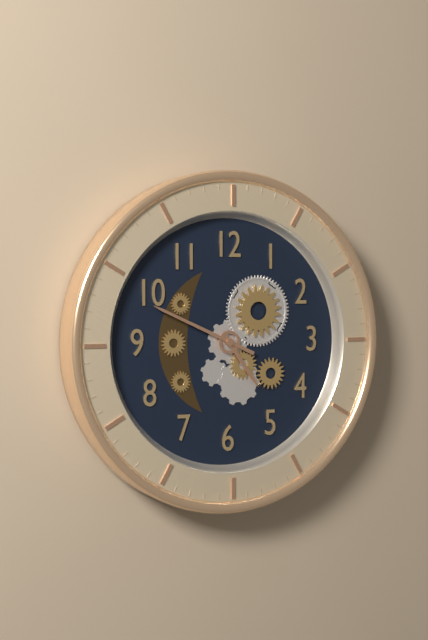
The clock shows **4:49**
